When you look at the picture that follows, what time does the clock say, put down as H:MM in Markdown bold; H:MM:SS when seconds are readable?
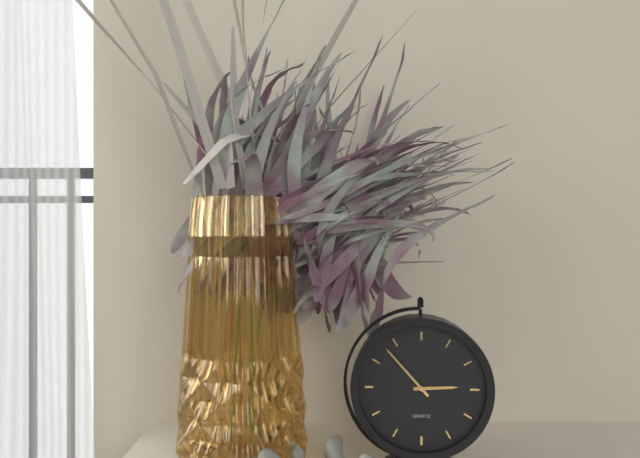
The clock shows **2:53**
